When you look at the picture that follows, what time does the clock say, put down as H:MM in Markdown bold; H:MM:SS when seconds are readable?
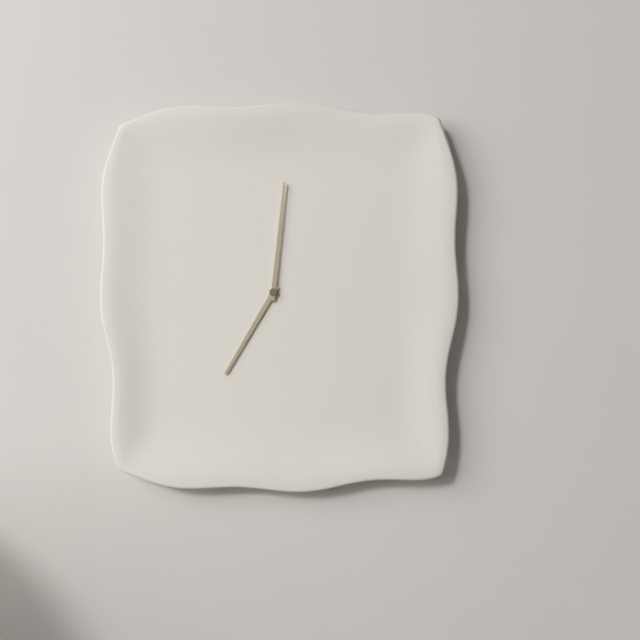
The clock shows **7:01**
